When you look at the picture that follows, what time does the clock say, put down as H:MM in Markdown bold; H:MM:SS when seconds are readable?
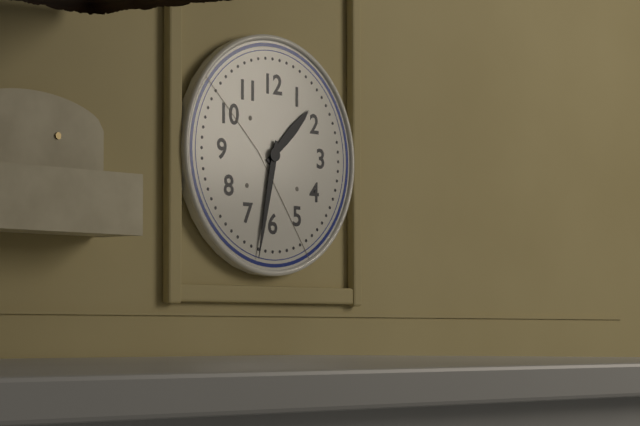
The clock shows **1:32**
